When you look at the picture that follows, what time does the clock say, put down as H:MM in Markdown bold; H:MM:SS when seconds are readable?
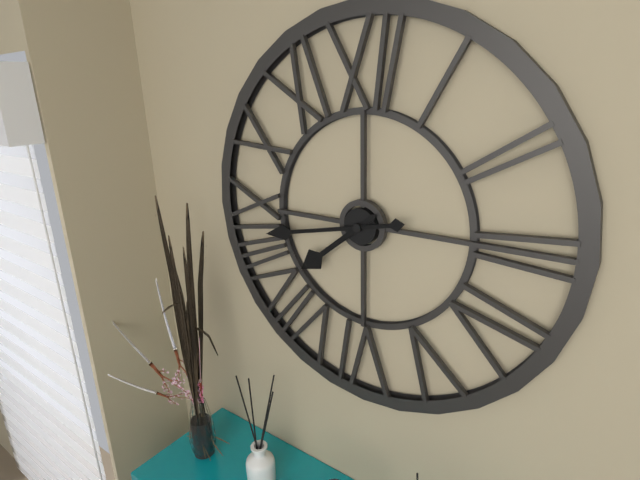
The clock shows **7:43**
